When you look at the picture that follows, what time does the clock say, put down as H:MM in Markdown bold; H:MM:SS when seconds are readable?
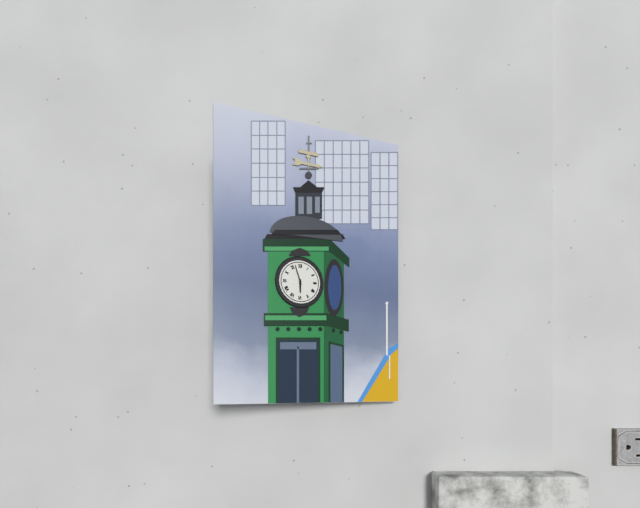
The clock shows **5:57**
